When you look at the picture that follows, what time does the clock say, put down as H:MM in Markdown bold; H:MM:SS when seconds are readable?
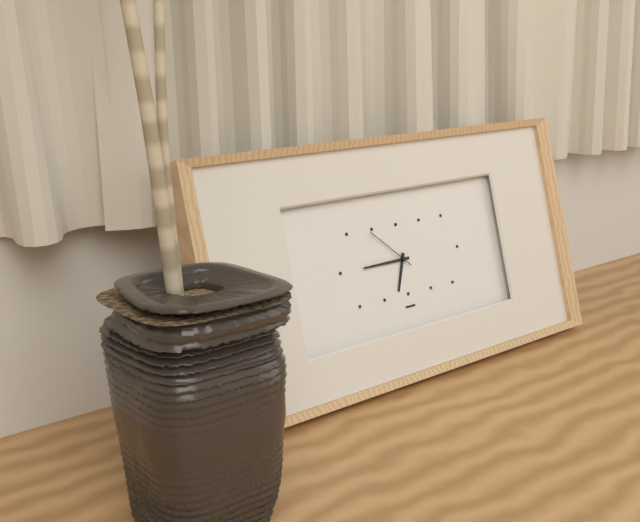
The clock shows **6:45:52**
